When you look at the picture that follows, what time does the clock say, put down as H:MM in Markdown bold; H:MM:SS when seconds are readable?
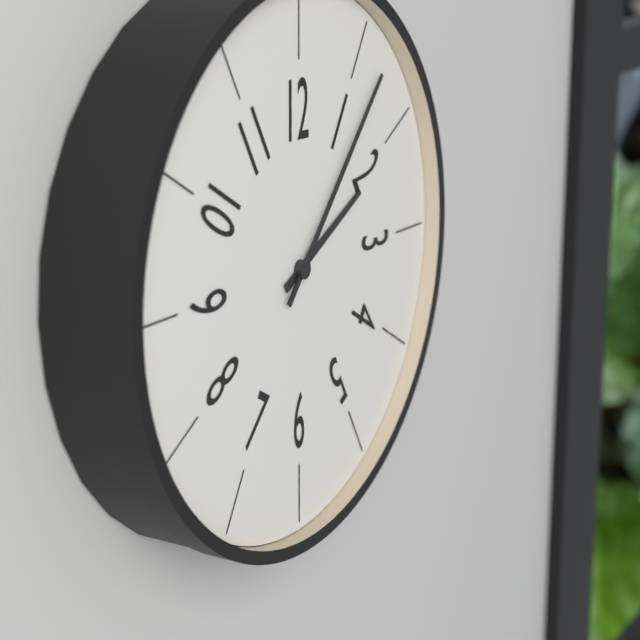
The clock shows **2:07**
